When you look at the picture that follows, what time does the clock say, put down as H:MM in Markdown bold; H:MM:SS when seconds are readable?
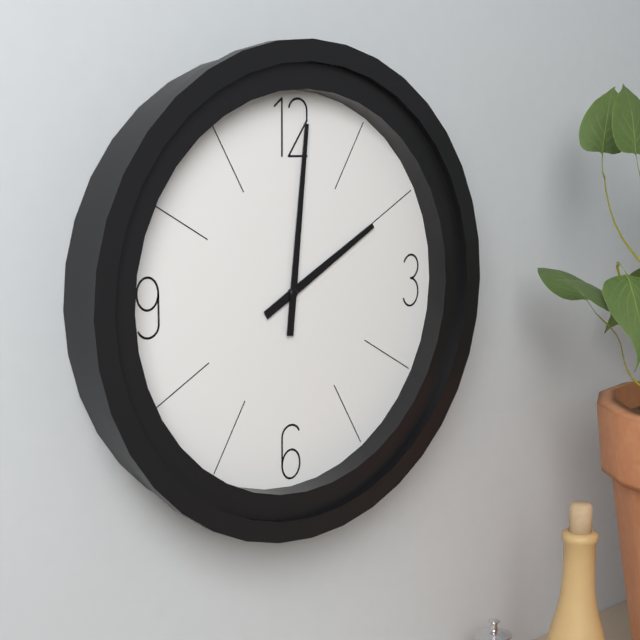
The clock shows **2:01**
